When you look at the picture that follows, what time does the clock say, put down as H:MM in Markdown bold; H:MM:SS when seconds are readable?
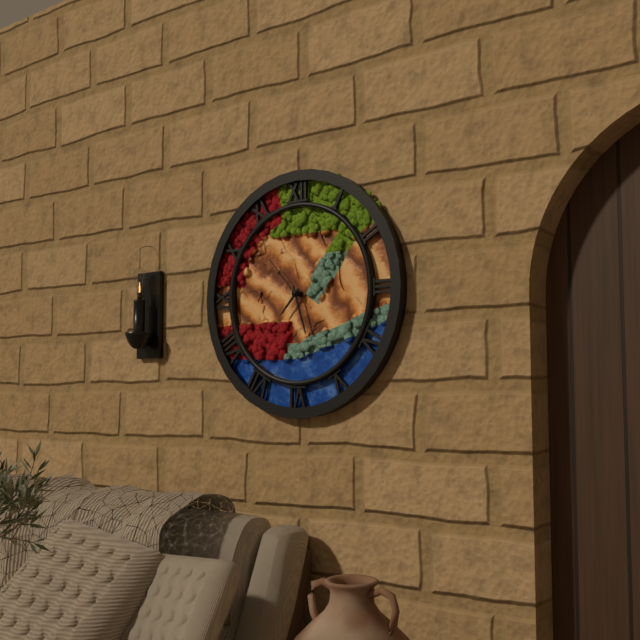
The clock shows **7:27:53**
